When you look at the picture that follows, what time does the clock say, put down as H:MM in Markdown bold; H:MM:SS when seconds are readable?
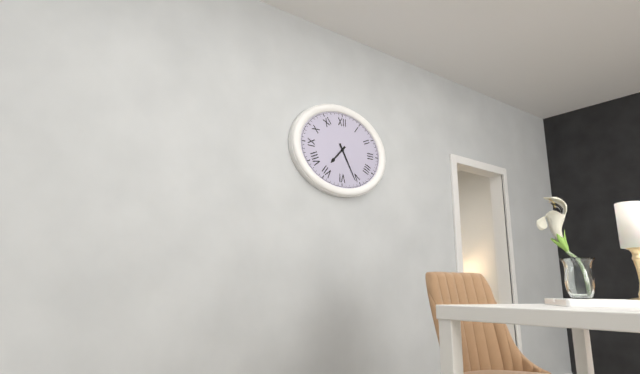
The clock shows **7:25**
